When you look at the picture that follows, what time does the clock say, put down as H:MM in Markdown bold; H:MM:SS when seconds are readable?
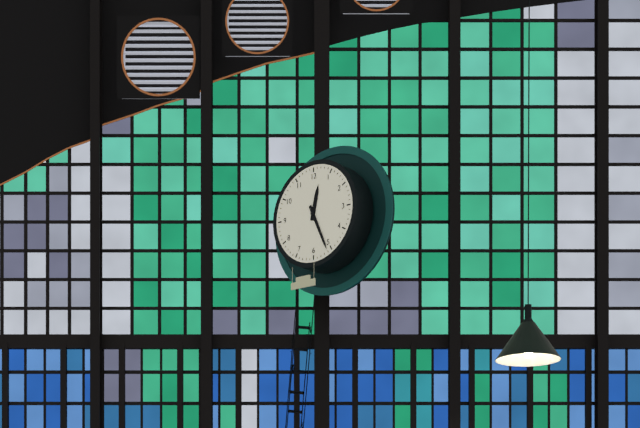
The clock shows **12:26**
